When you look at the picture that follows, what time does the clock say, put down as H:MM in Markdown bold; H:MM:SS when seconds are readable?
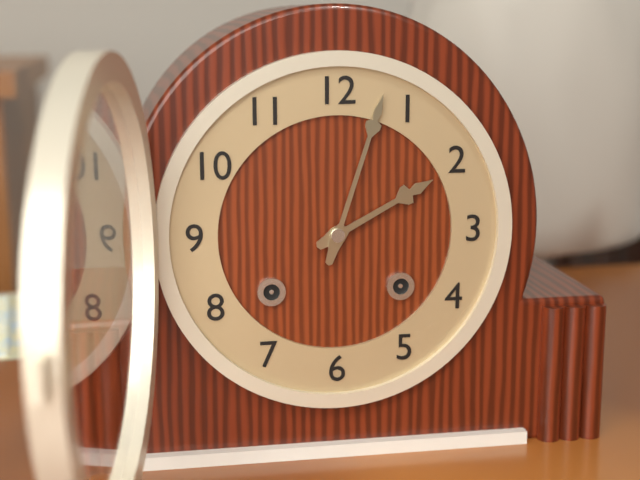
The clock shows **2:03**
